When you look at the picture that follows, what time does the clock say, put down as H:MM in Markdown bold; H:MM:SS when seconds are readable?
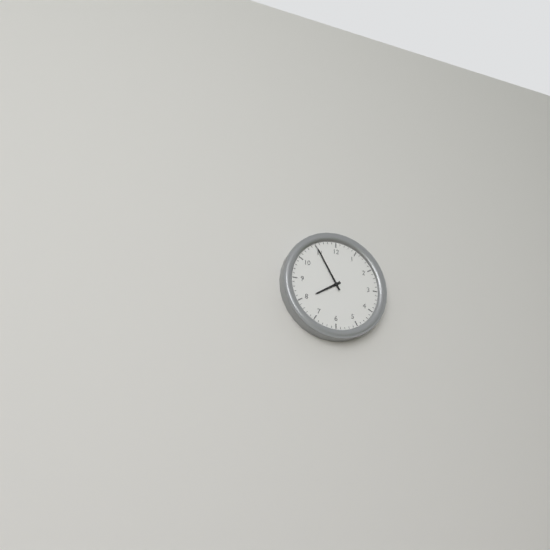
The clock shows **7:55**
